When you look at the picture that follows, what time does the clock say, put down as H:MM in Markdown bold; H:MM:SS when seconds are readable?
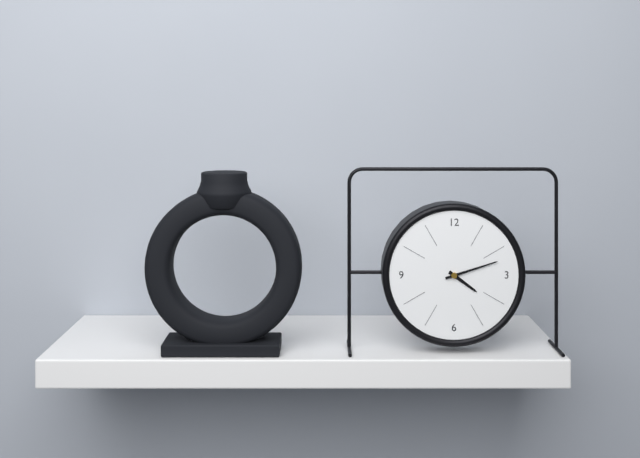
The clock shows **4:12**
